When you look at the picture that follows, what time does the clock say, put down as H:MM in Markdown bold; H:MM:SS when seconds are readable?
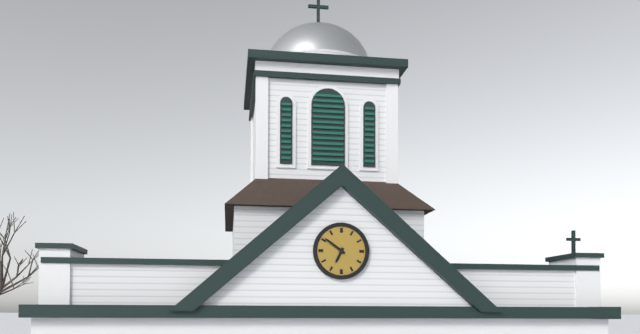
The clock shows **6:51**
